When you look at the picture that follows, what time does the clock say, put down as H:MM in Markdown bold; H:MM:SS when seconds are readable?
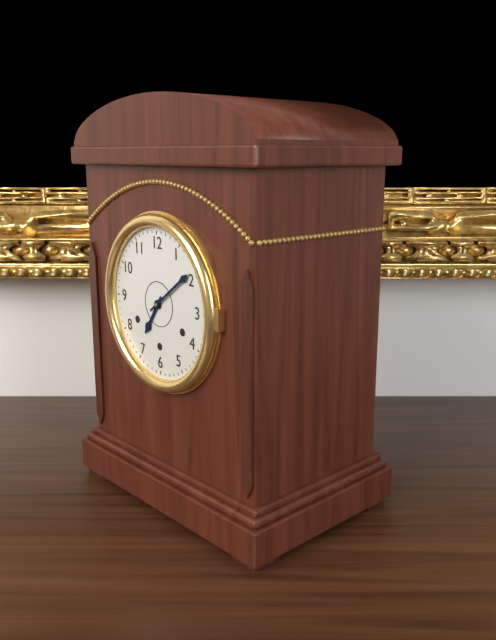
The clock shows **7:09**
